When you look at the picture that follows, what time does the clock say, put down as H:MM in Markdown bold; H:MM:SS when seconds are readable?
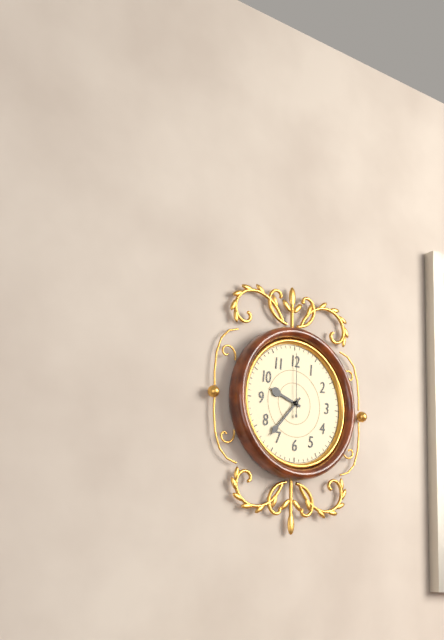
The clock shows **9:37:00**
